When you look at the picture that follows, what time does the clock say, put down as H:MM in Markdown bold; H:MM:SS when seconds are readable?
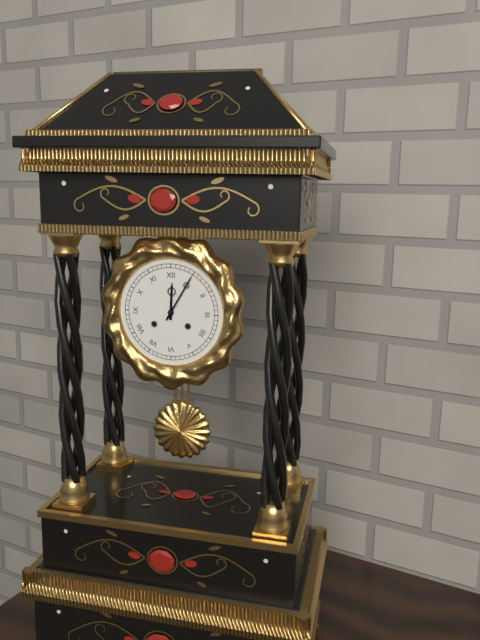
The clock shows **12:05**
